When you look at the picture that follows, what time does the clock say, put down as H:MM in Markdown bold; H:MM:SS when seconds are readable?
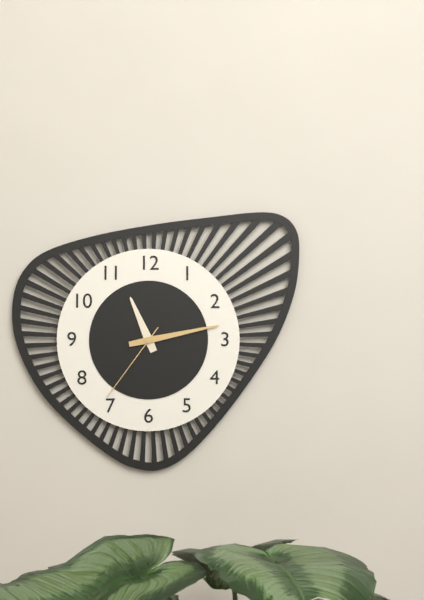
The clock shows **11:13:36**
